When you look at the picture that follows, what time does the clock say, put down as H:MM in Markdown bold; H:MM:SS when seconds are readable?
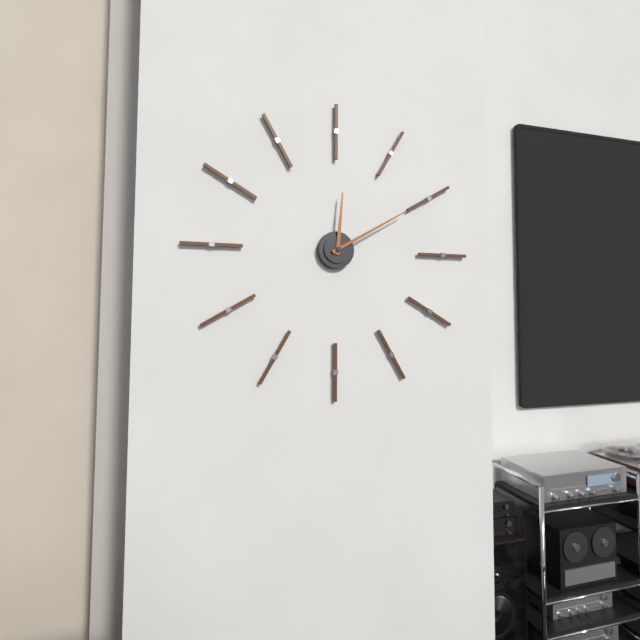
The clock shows **12:10**
